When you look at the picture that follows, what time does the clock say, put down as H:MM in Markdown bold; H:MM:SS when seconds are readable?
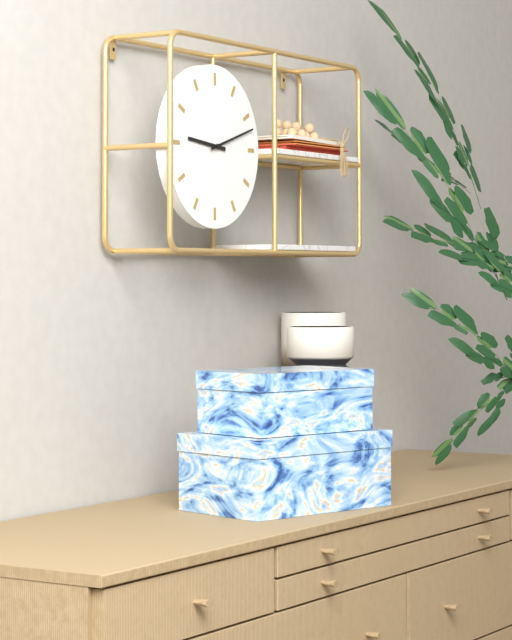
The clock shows **9:12**
